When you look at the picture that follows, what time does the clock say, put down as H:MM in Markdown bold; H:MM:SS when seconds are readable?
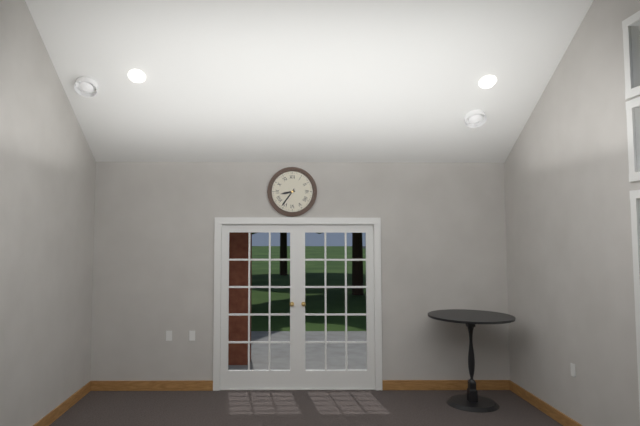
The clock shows **8:36**
